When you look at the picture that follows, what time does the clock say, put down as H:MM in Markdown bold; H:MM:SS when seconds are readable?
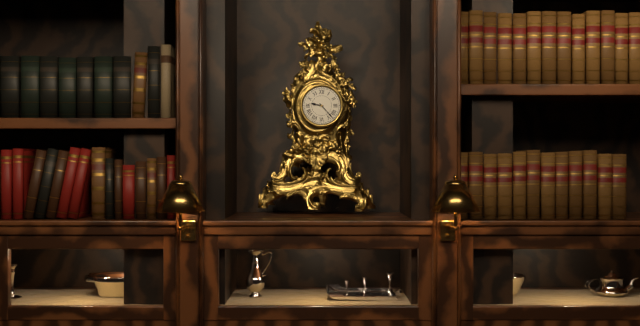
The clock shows **9:23**
